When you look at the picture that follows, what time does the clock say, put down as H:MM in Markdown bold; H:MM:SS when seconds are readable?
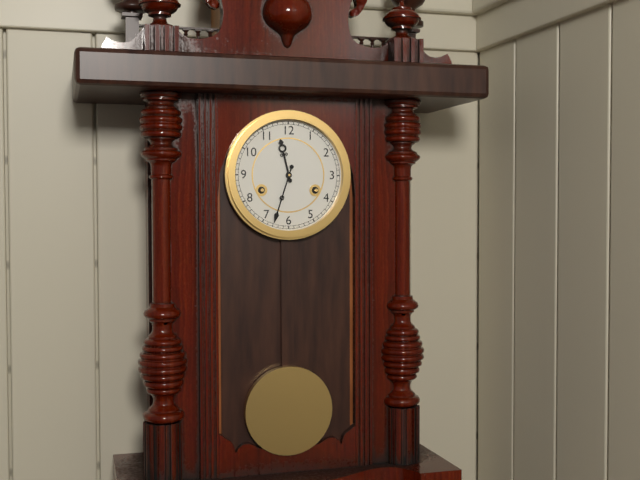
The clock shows **11:33**
